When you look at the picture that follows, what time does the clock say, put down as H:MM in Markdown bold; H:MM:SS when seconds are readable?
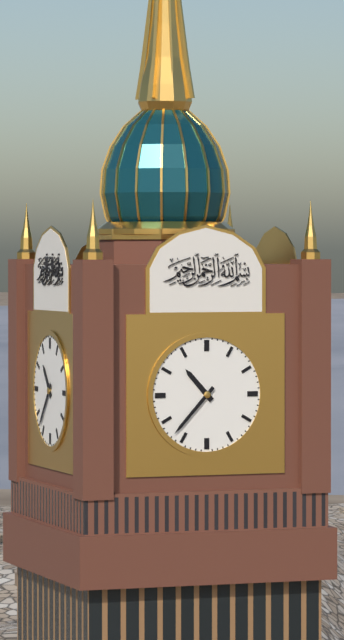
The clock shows **10:37**
